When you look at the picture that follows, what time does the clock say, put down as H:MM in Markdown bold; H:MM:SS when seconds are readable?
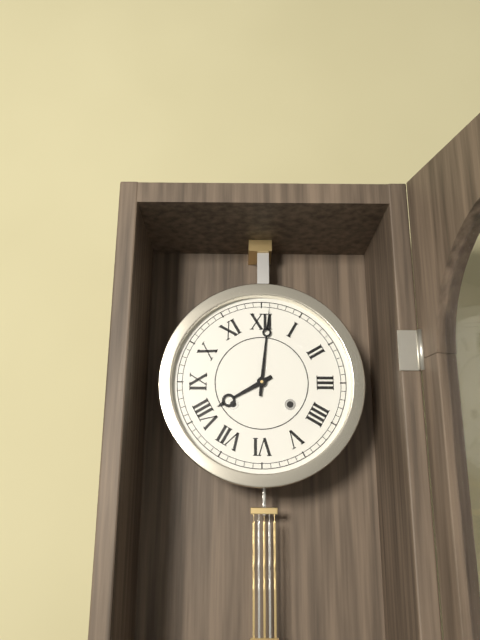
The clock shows **8:01**
